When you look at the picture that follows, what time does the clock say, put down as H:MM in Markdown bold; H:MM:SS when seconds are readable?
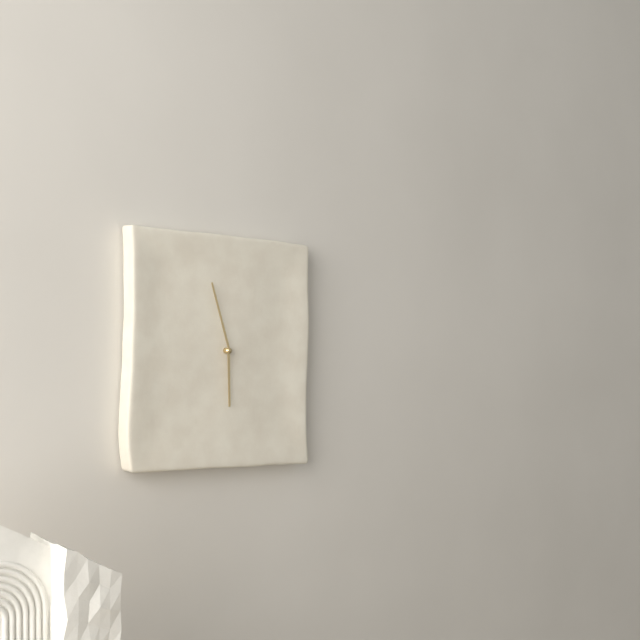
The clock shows **5:57**
